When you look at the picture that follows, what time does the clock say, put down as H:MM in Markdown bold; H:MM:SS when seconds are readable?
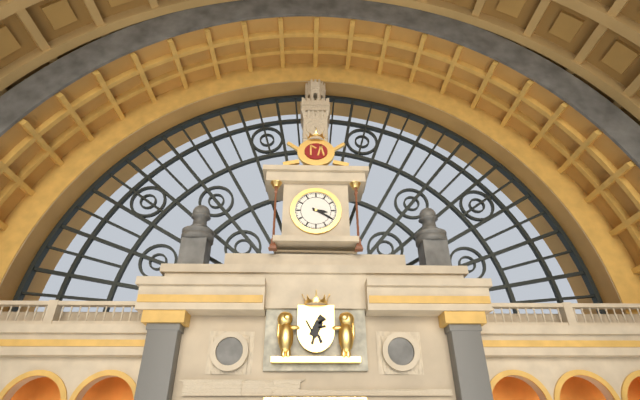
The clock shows **3:20**
